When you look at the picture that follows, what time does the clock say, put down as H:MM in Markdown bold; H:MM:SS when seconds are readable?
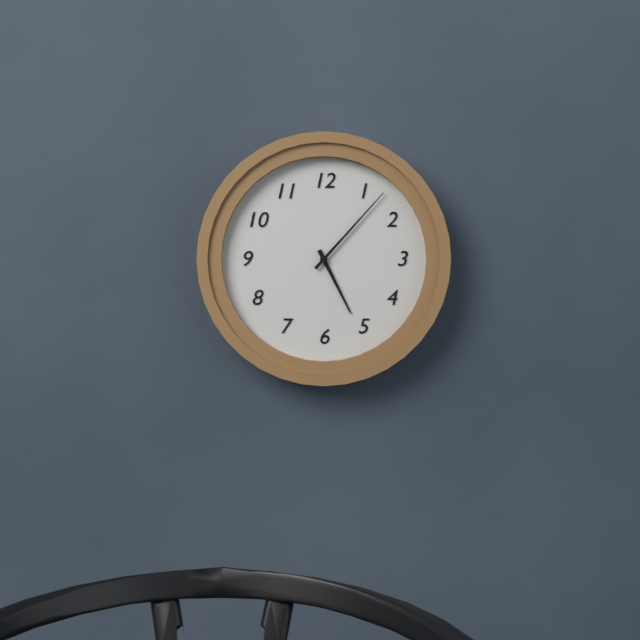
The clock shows **5:07**
